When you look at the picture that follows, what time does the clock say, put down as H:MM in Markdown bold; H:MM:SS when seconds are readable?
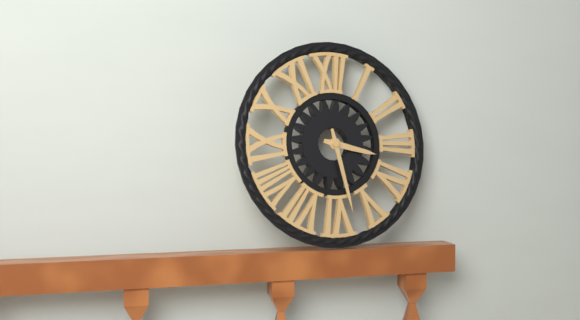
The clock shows **3:28**
